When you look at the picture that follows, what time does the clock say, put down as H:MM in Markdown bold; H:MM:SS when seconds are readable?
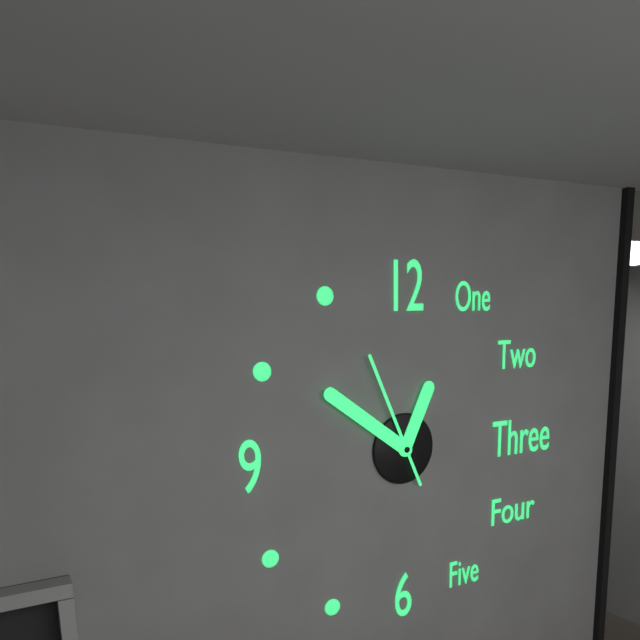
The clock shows **12:51:56**
